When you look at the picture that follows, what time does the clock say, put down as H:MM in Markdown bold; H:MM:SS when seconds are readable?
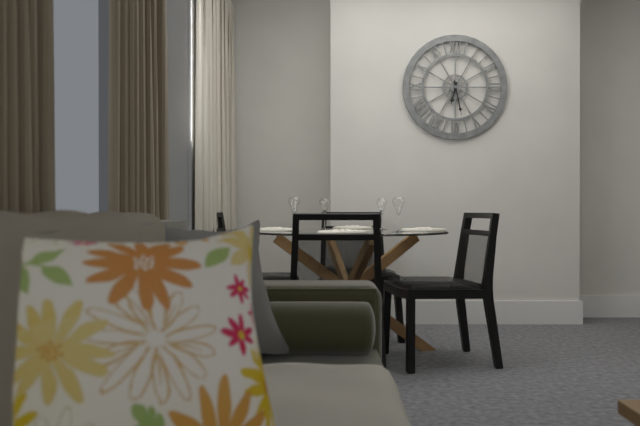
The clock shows **6:28**
